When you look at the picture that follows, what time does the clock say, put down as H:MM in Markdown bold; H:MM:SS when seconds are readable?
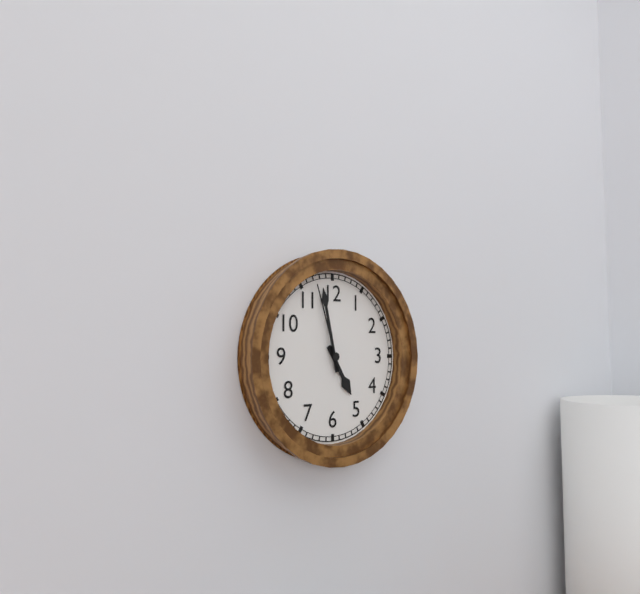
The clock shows **4:58:57**
